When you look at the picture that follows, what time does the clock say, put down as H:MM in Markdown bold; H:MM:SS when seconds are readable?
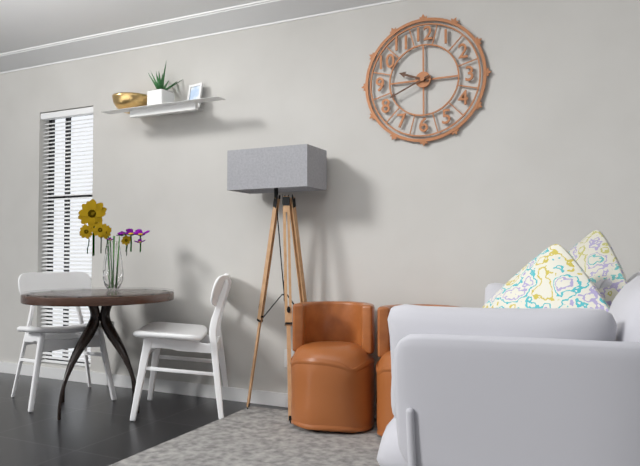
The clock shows **9:41**
